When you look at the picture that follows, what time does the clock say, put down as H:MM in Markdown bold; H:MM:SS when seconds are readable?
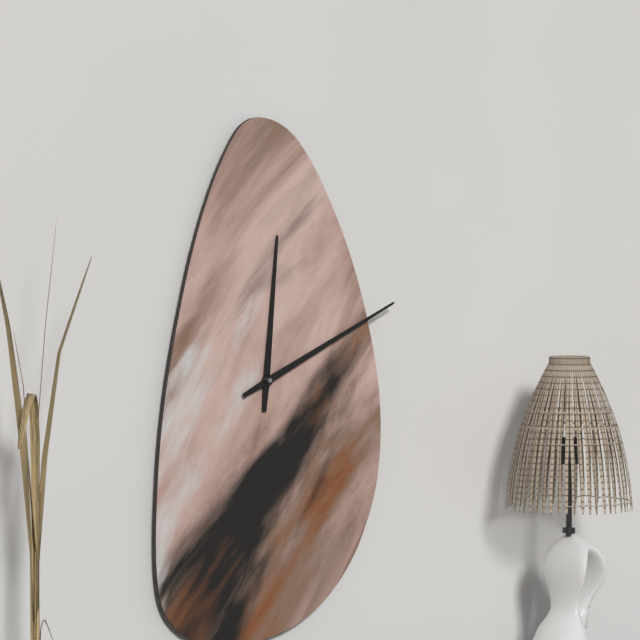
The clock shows **12:11**
